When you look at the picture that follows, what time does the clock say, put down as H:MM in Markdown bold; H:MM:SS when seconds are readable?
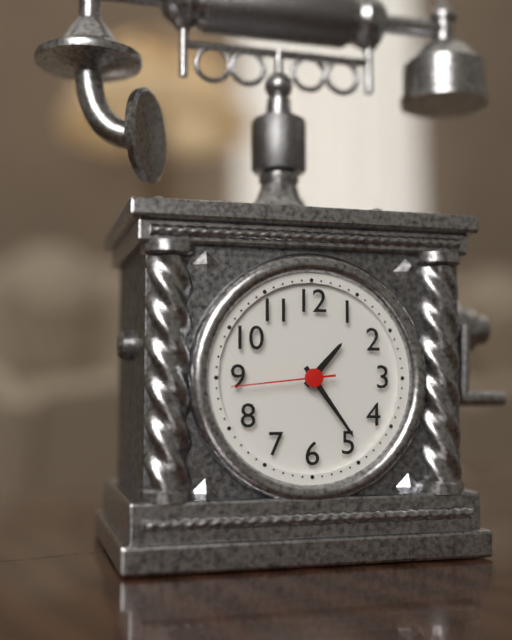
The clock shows **1:24:44**
